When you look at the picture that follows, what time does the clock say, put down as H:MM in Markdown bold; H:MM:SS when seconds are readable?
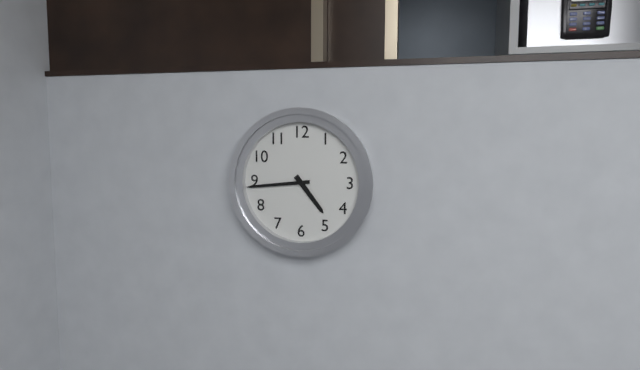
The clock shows **4:44**
